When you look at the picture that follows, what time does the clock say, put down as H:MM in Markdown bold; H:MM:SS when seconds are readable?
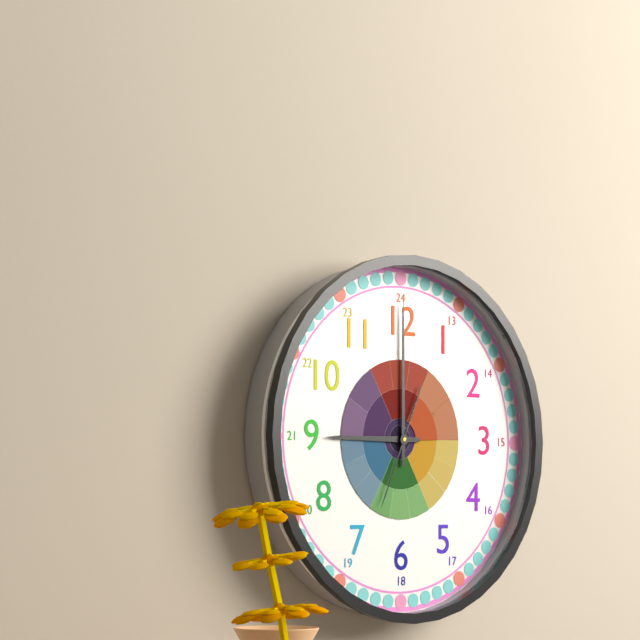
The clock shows **9:00:34**
